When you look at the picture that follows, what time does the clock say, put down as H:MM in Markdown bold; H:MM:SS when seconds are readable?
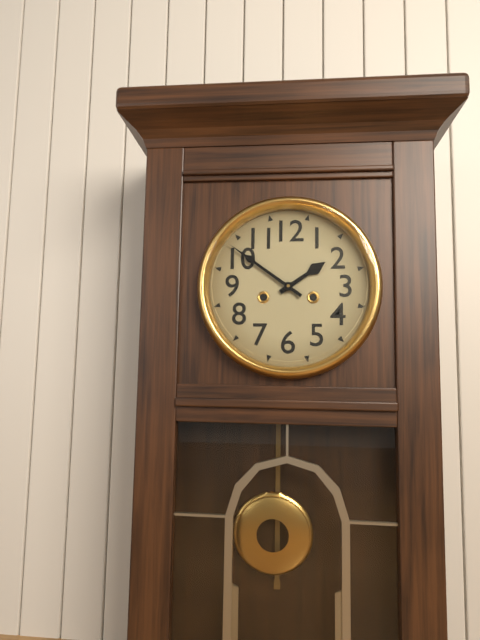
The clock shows **1:51**
